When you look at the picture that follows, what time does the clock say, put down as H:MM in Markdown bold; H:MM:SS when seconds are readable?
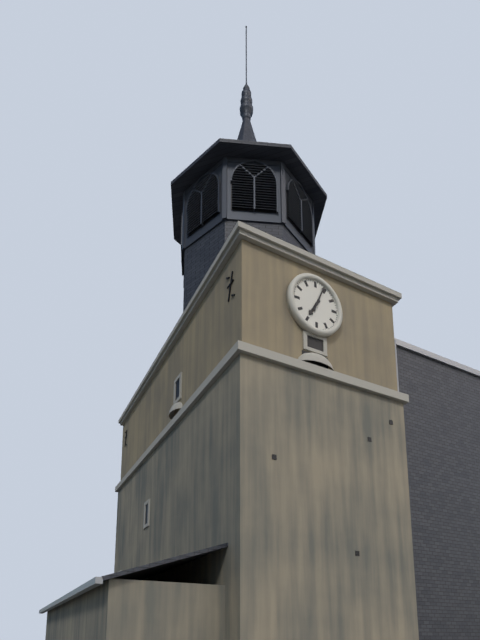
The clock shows **7:04**
